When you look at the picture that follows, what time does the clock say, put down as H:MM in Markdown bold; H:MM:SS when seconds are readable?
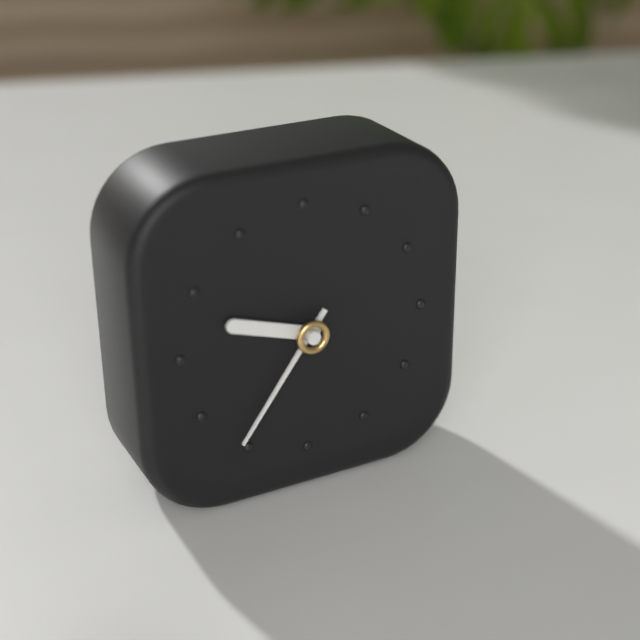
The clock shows **9:36**
